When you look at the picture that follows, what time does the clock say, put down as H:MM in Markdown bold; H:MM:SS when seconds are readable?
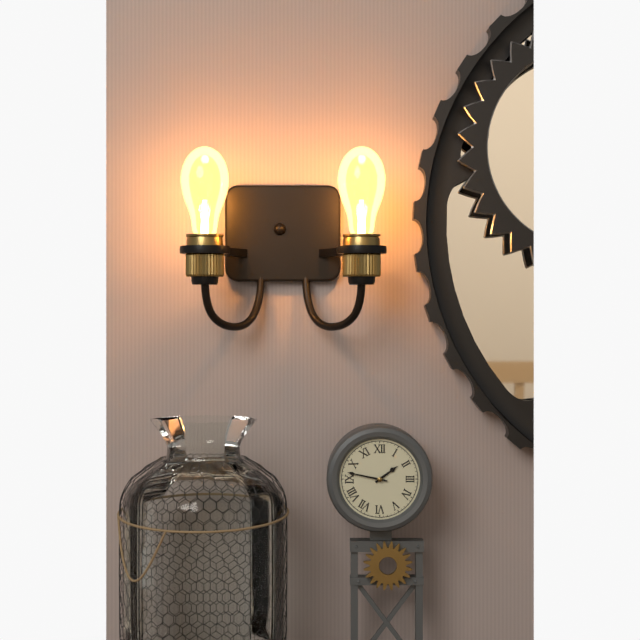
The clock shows **1:47**
